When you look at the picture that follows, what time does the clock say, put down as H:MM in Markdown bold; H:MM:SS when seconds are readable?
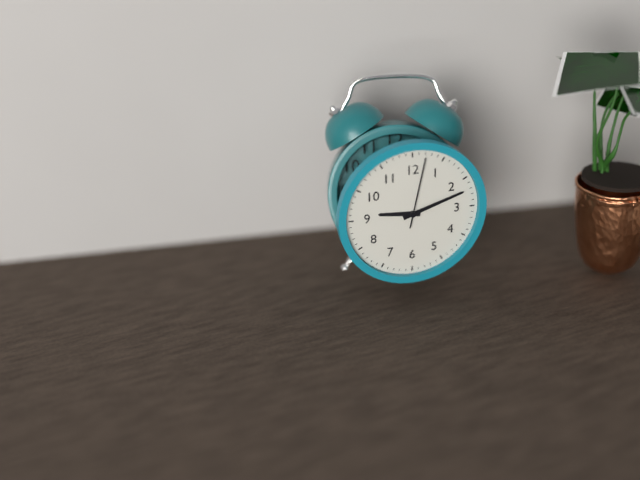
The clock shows **9:12:02**
